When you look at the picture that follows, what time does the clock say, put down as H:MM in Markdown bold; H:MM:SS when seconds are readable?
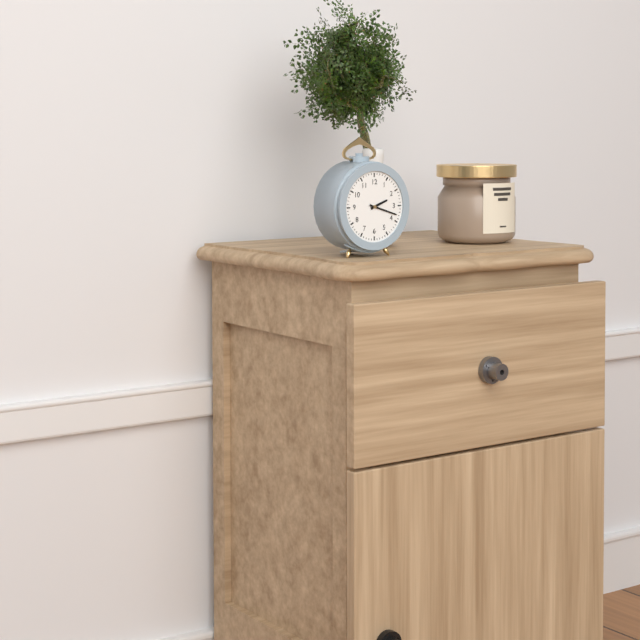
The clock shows **2:18**
